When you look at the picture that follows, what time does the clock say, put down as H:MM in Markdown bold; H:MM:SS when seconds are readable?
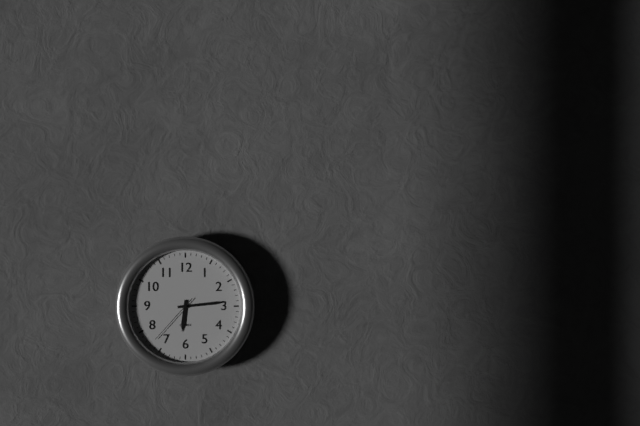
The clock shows **6:14:37**
